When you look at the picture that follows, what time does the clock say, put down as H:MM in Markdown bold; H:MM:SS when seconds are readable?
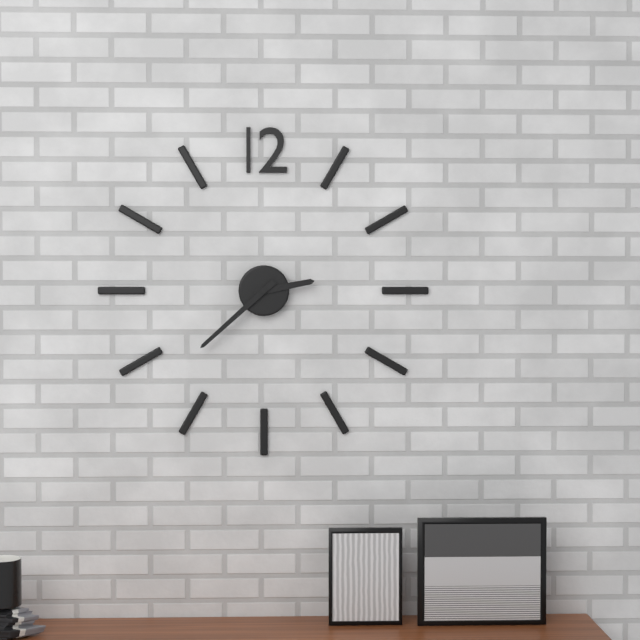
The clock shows **2:38**
